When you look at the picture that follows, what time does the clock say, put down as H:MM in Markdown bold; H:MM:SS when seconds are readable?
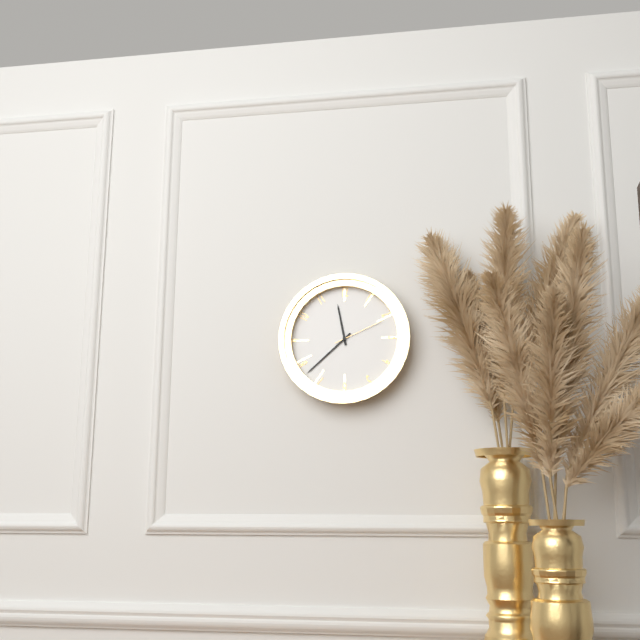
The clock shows **11:38:11**
